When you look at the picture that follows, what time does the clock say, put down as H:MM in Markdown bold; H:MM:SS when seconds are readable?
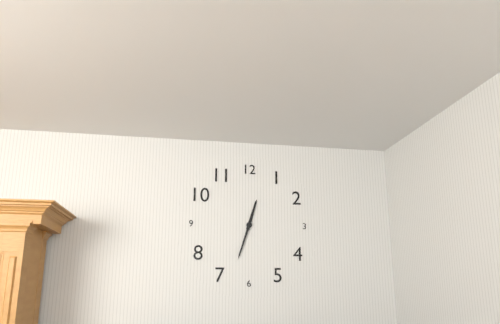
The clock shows **12:33**
